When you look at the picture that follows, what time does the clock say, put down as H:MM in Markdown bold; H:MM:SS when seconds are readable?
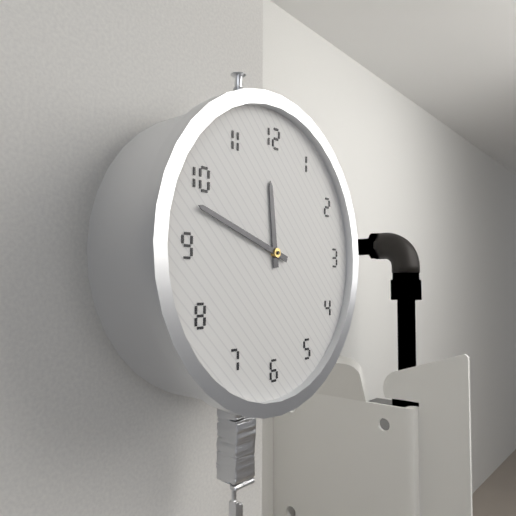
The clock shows **11:48**
